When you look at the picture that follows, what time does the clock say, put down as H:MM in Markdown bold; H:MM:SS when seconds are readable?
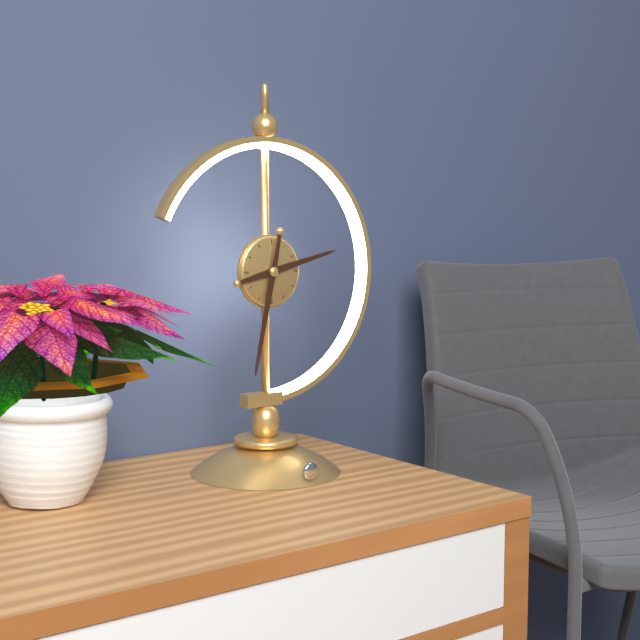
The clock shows **2:32**
